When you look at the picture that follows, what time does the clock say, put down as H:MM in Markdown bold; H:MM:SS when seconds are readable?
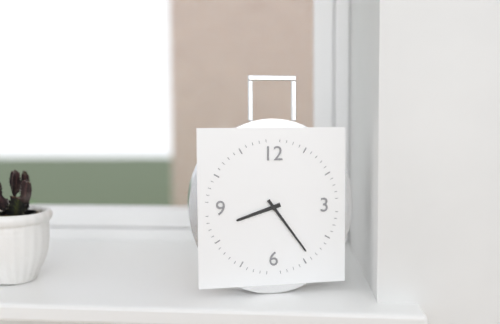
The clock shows **8:24**
